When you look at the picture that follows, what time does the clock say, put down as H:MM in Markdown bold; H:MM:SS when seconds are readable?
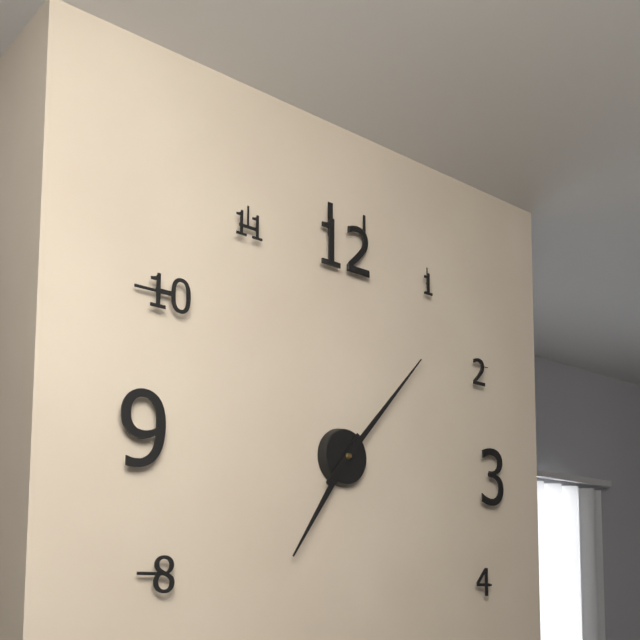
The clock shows **7:07**
